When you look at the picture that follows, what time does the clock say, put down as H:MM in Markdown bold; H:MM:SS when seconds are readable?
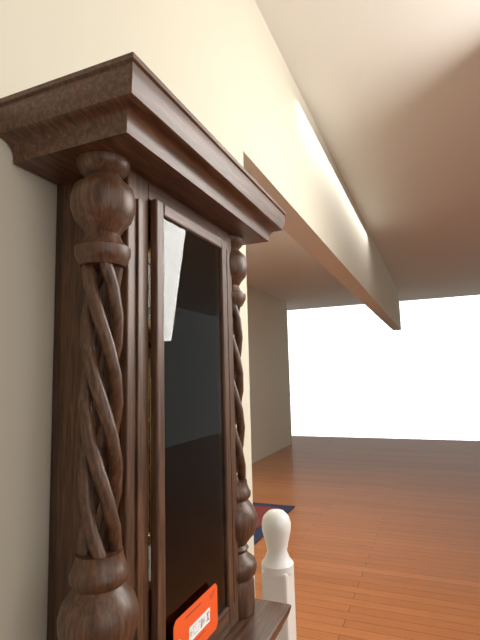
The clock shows **2:08**
